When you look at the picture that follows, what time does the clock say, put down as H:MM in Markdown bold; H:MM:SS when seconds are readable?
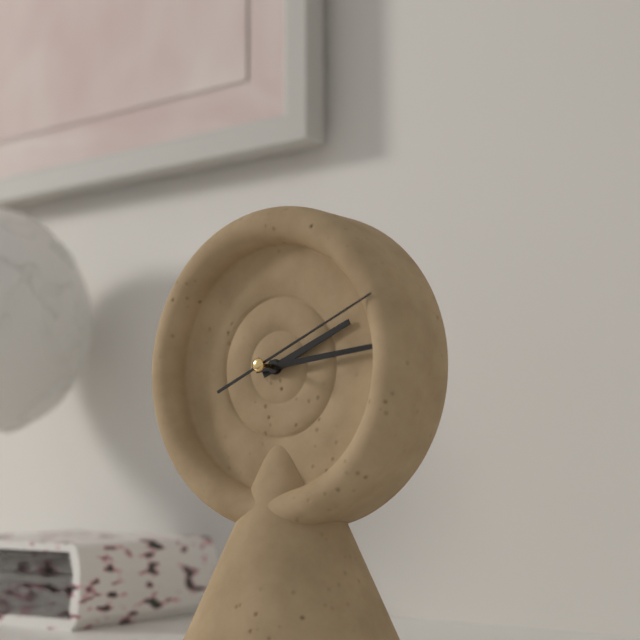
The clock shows **2:14:11**
